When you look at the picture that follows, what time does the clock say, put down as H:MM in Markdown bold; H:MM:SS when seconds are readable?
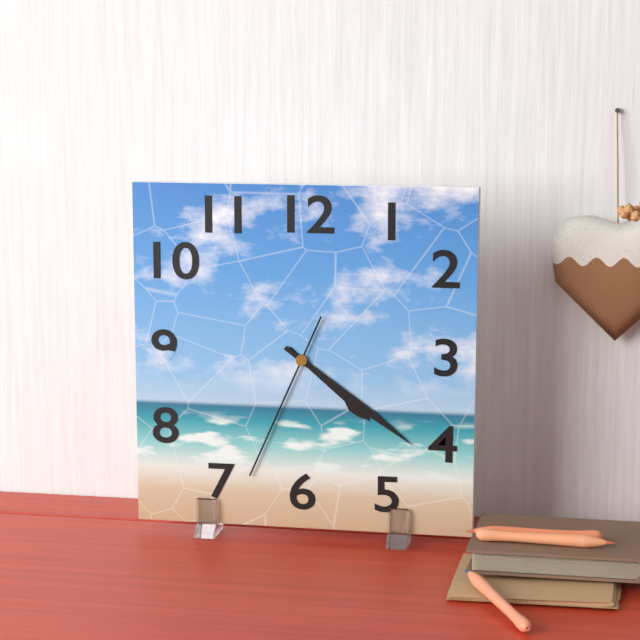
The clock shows **4:21:34**
